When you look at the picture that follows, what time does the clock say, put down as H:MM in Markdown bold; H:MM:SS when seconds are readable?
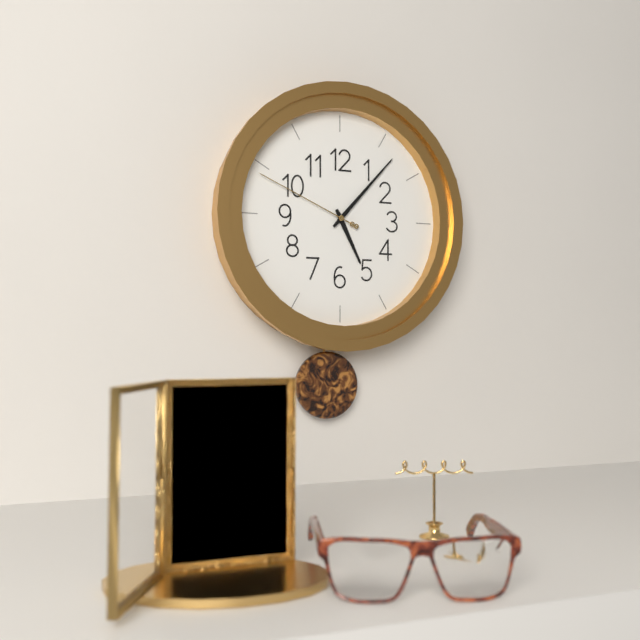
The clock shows **5:07:49**
